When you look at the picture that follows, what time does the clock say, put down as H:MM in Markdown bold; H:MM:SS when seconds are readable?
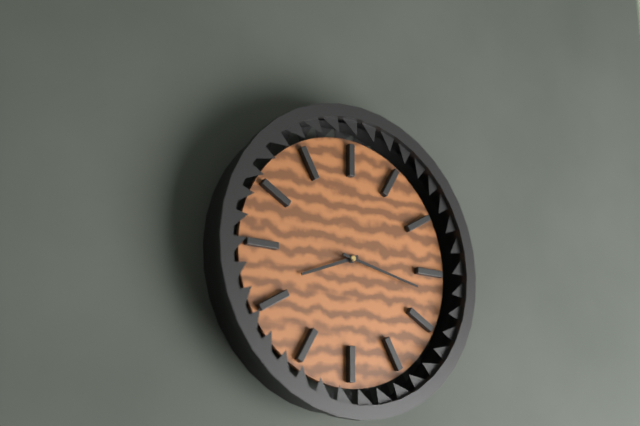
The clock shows **8:17**
